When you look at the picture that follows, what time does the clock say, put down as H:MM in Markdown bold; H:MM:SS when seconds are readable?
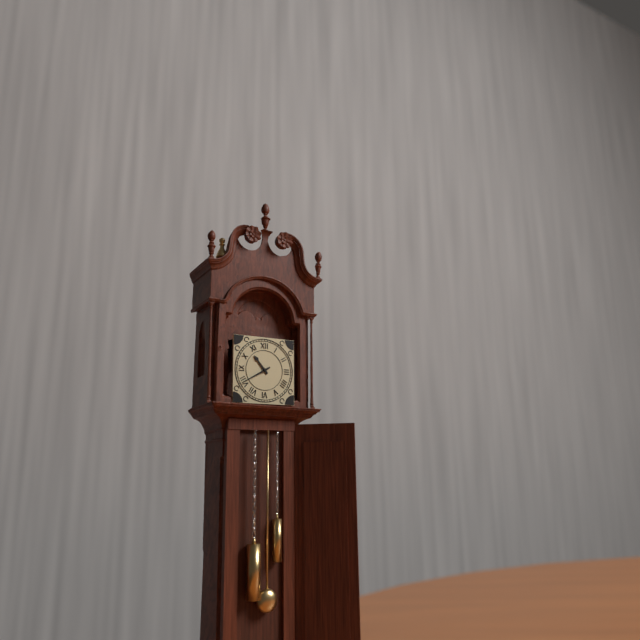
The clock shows **10:40**
